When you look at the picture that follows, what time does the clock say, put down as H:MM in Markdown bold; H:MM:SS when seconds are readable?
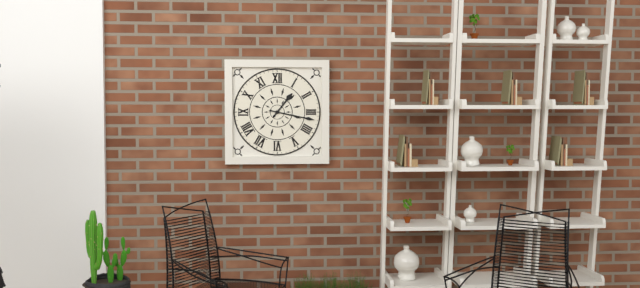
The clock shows **1:17**
